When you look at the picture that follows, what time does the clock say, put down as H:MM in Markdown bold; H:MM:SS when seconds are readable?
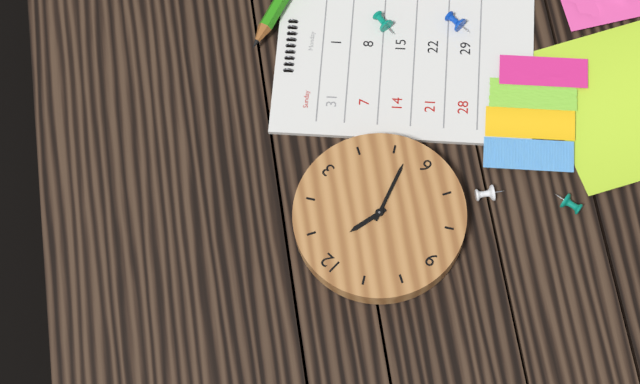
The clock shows **12:27**
